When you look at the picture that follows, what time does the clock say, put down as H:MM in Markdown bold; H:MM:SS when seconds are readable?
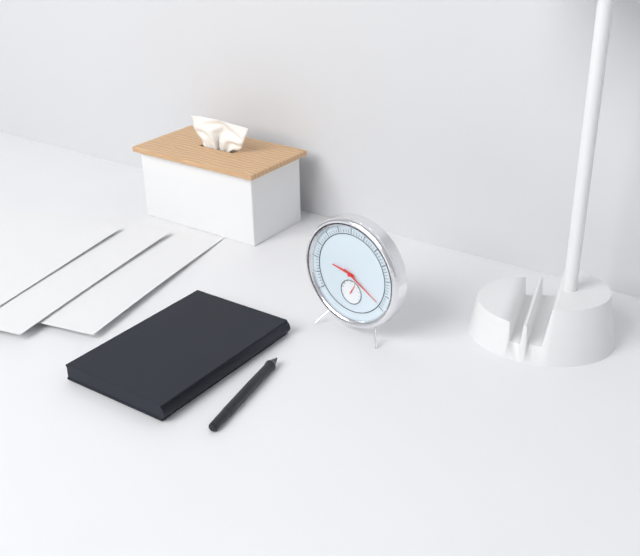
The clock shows **9:20**
